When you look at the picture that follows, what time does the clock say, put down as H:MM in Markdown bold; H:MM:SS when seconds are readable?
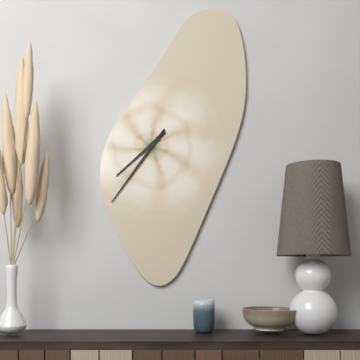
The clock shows **7:36**
